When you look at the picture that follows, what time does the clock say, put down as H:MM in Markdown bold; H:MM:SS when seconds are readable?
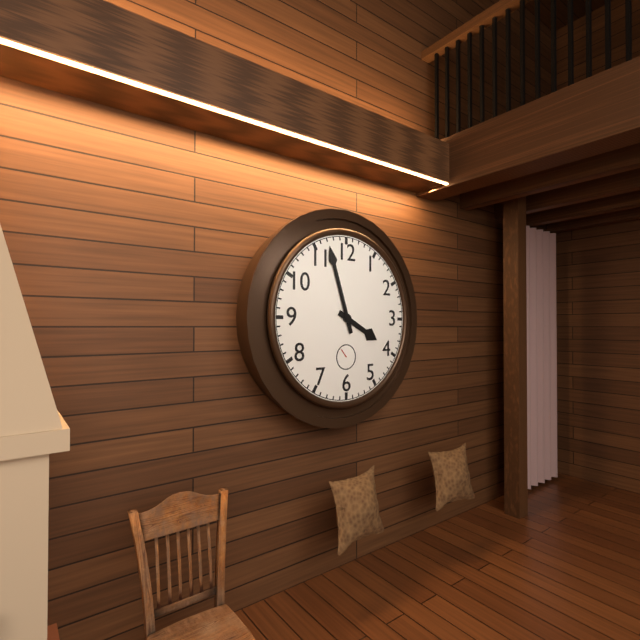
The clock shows **3:57**
